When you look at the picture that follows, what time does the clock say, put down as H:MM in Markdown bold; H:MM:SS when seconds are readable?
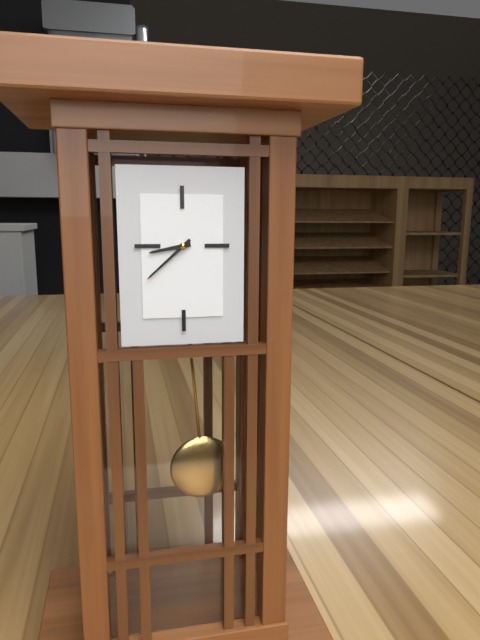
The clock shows **8:38**
